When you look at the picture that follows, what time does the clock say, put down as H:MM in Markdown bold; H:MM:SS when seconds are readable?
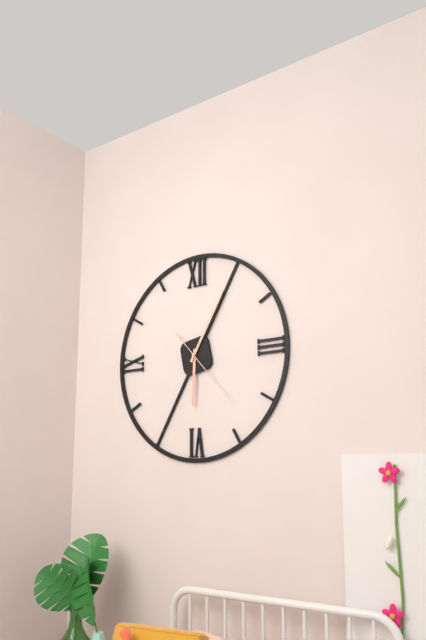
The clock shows **6:05:23**
